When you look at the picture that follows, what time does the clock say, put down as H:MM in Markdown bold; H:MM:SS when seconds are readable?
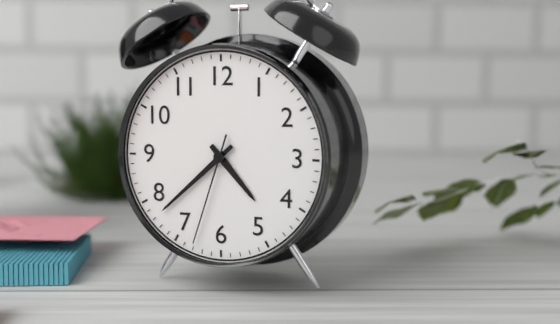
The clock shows **4:38:33**
